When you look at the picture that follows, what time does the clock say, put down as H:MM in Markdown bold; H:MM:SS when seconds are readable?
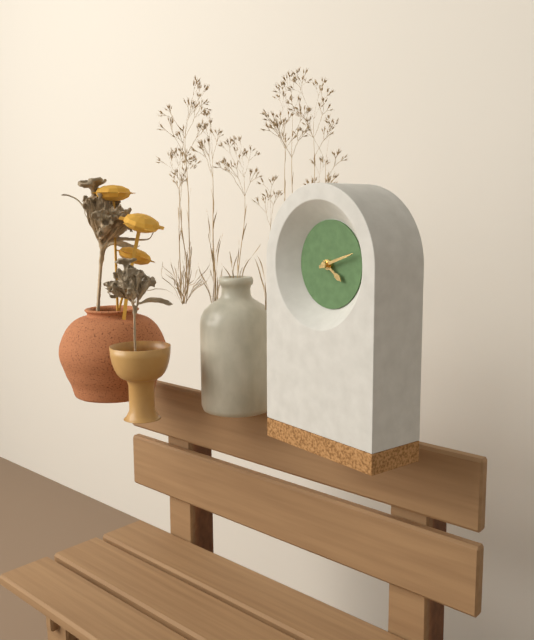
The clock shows **4:12**
